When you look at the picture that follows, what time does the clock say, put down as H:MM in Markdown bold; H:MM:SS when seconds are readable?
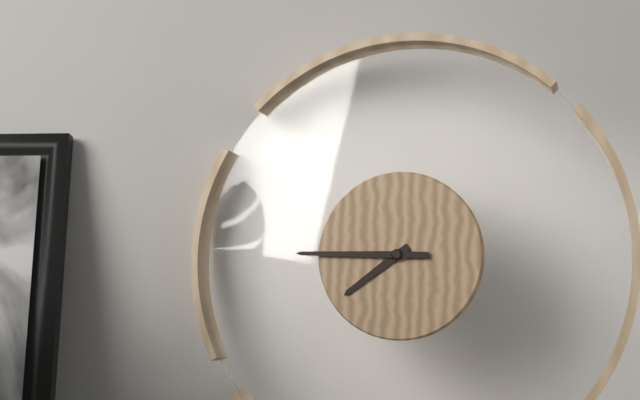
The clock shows **7:45**
